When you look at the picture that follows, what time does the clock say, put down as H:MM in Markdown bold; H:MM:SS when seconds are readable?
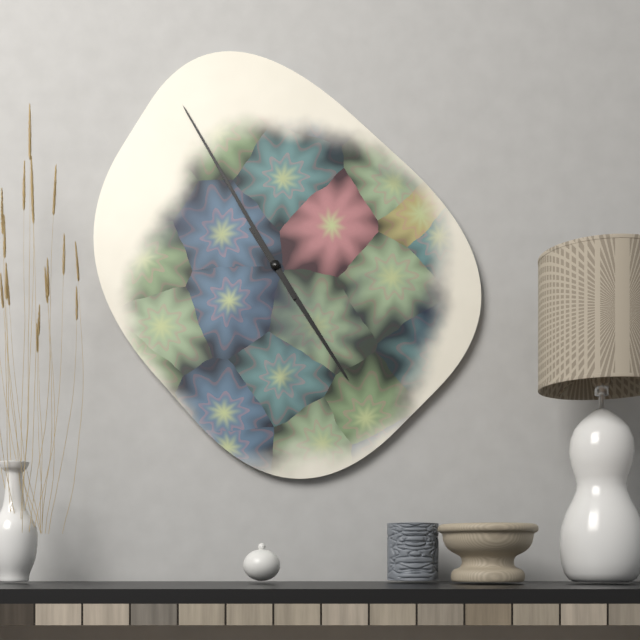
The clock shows **4:55**
